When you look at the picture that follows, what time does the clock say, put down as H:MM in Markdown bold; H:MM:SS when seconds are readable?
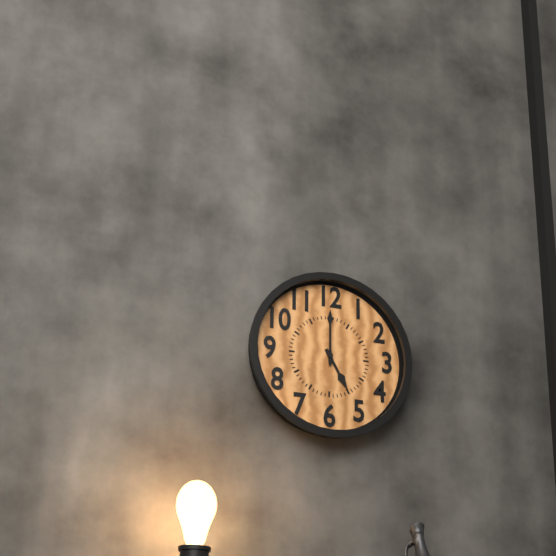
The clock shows **5:00**
